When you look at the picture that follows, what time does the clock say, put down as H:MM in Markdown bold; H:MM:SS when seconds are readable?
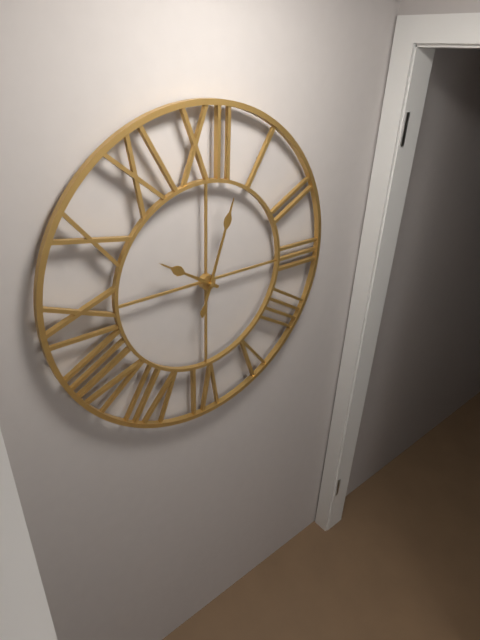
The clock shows **10:03**
